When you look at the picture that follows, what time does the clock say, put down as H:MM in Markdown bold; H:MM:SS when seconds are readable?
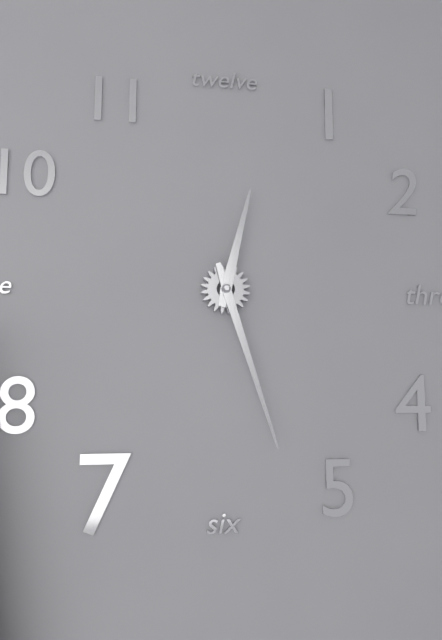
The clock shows **12:27**
